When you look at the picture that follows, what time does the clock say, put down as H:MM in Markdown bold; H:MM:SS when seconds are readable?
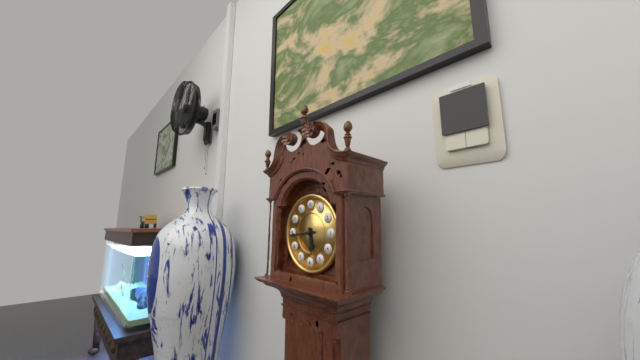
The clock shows **5:44**
